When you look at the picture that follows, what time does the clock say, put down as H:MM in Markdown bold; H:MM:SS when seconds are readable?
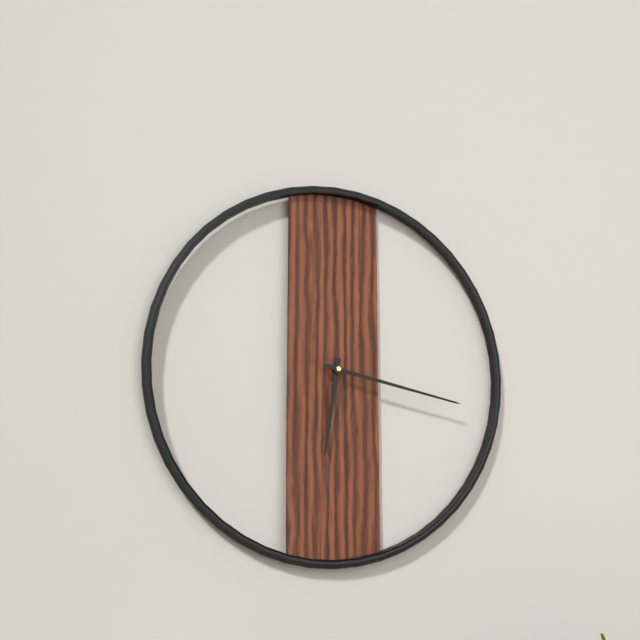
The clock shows **6:17**
